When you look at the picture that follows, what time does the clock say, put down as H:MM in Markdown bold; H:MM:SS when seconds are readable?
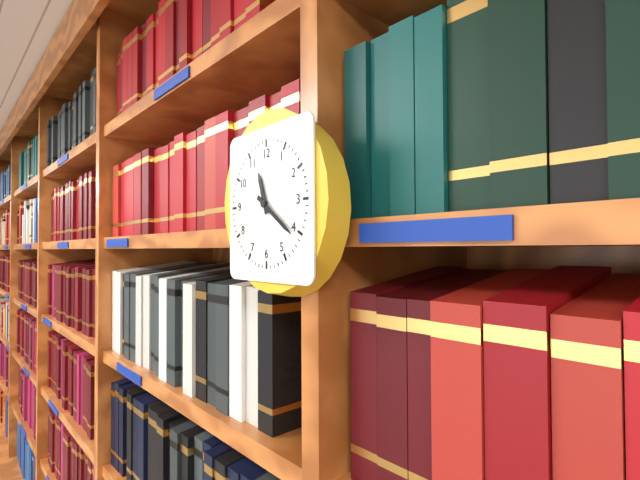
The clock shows **11:21**
